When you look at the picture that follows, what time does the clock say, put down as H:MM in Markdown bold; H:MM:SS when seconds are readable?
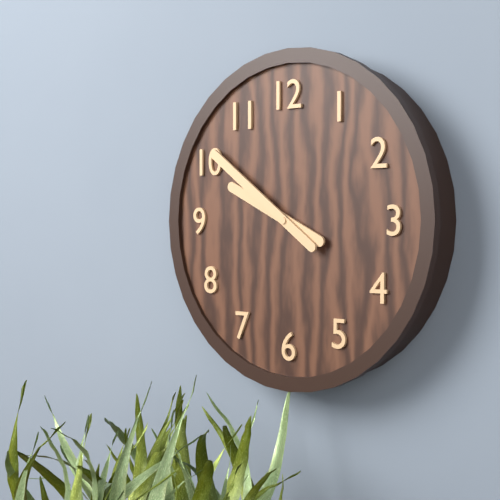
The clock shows **9:51**
